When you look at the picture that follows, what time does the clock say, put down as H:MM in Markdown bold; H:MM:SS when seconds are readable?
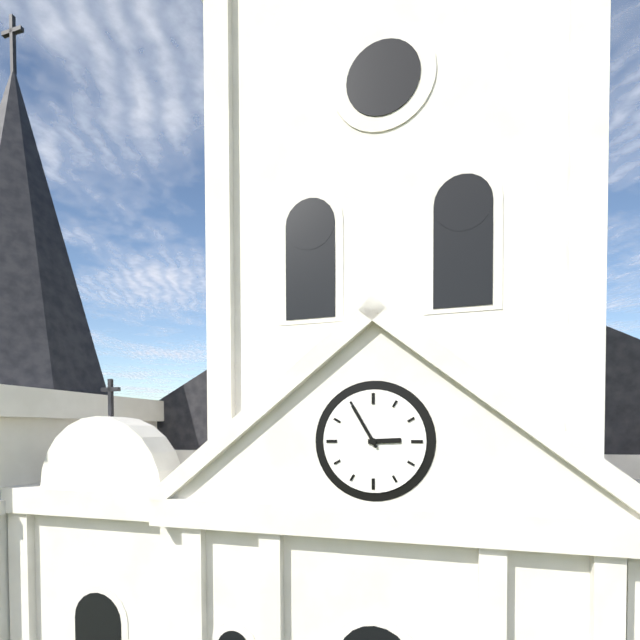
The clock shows **2:55**
